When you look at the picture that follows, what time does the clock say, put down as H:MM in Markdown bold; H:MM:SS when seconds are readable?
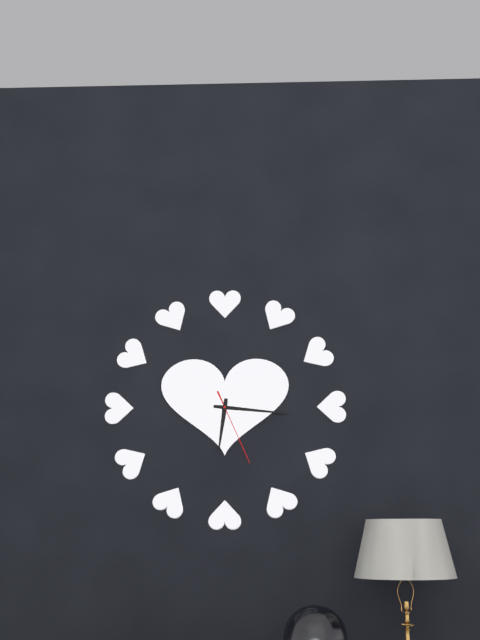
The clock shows **6:16:26**
